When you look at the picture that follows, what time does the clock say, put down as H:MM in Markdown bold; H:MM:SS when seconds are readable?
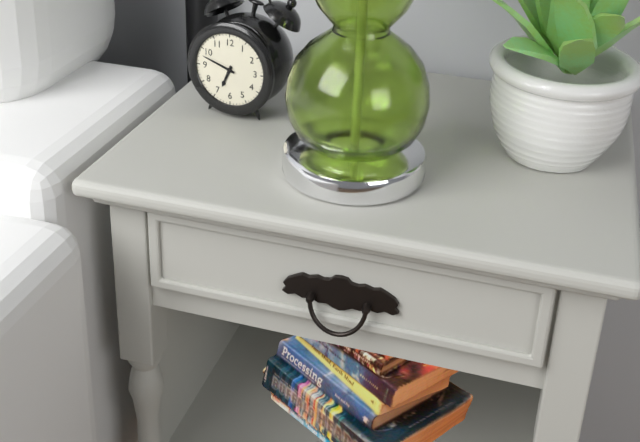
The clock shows **6:48**
